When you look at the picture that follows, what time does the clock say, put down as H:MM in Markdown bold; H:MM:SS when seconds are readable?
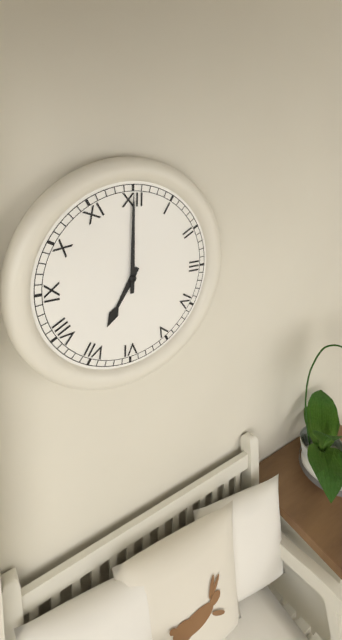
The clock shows **7:00**
